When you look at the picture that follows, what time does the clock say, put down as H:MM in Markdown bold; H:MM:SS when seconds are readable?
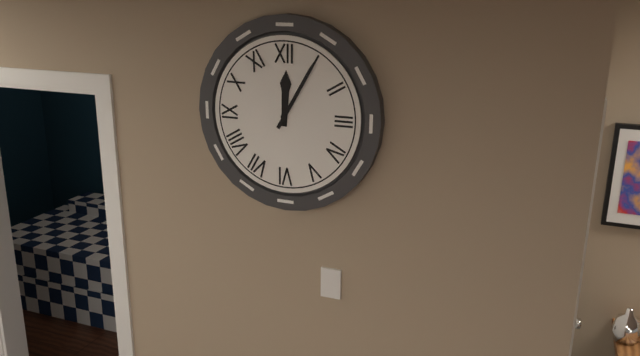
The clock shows **12:05**
